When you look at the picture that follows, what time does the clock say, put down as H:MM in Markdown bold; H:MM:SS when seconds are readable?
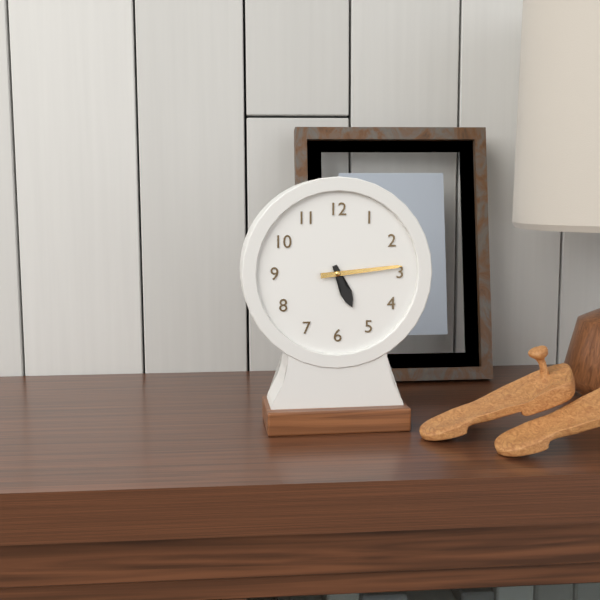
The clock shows **5:14**
